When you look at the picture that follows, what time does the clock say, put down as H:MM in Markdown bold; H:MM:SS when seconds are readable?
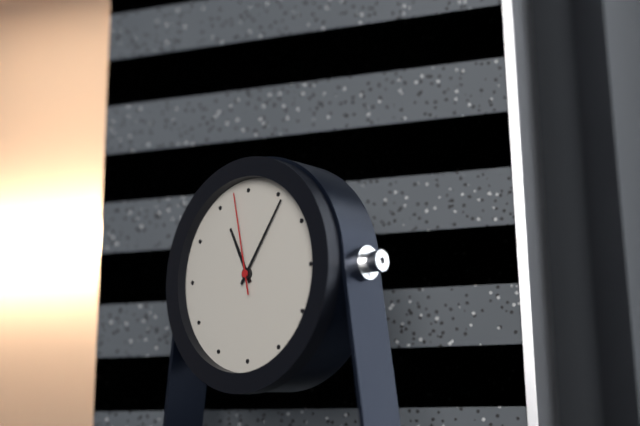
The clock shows **11:06:58**
